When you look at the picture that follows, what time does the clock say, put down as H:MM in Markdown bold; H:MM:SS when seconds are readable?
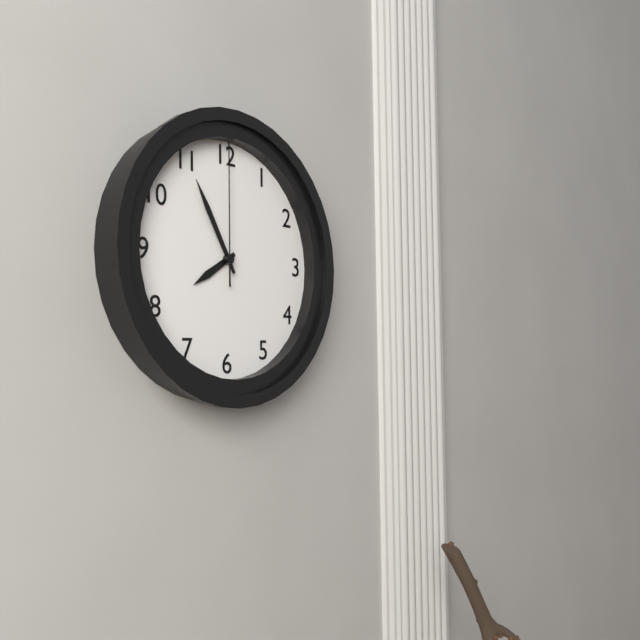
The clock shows **7:55:00**
